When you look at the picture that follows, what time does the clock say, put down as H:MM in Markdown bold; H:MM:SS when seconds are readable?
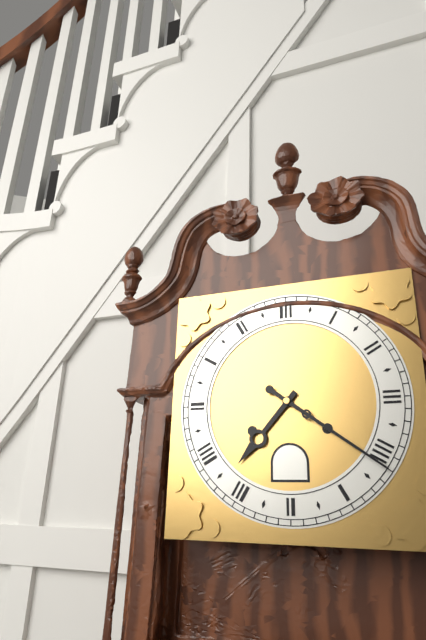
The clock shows **7:21**
